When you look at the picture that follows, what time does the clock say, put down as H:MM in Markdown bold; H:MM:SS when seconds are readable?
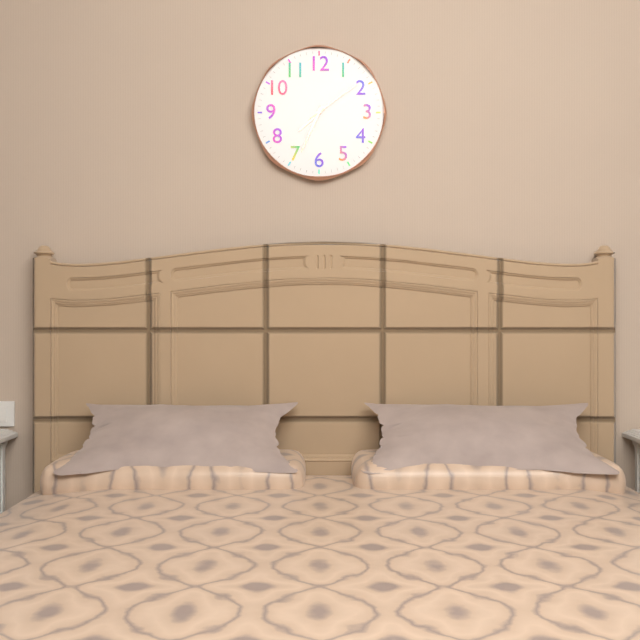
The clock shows **7:34:09**
